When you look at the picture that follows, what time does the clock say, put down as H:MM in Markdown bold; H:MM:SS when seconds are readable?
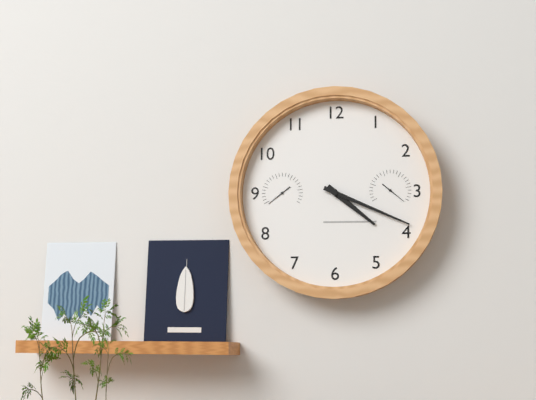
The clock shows **4:19**
